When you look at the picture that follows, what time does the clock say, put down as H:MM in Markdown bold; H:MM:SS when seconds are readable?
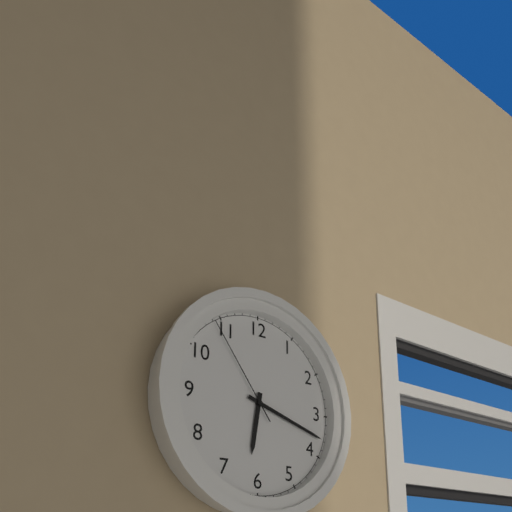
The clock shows **6:18:54**
